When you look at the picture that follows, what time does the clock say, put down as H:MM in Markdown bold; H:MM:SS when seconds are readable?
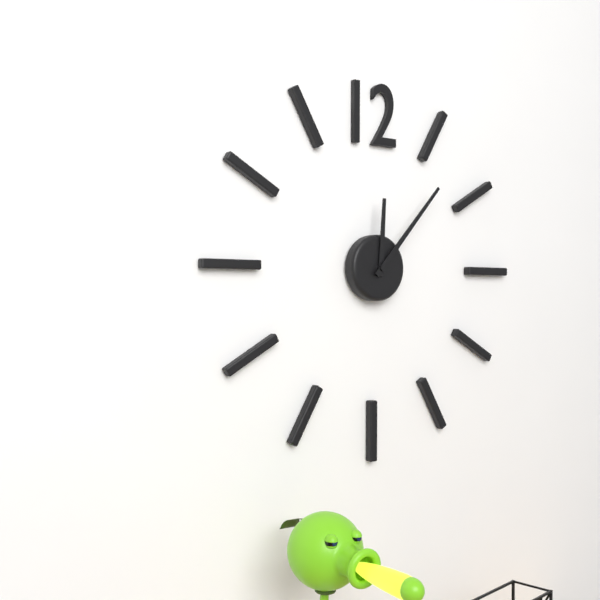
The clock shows **12:07**
